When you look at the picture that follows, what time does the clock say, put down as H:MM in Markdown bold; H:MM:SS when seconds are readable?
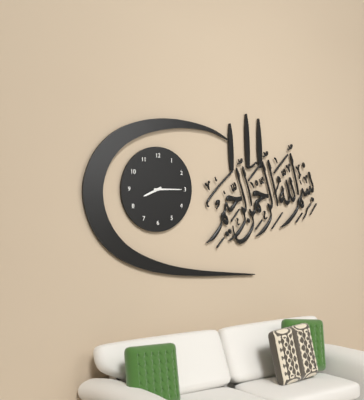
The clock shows **8:15**
